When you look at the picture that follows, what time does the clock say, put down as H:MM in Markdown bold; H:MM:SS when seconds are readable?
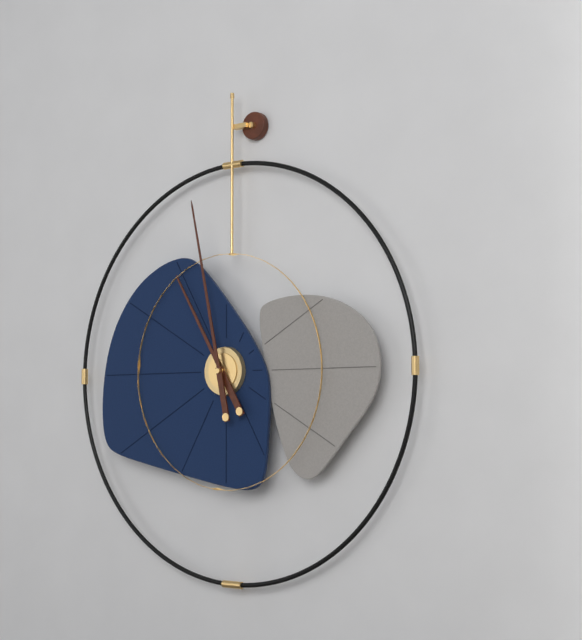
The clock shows **10:58**
